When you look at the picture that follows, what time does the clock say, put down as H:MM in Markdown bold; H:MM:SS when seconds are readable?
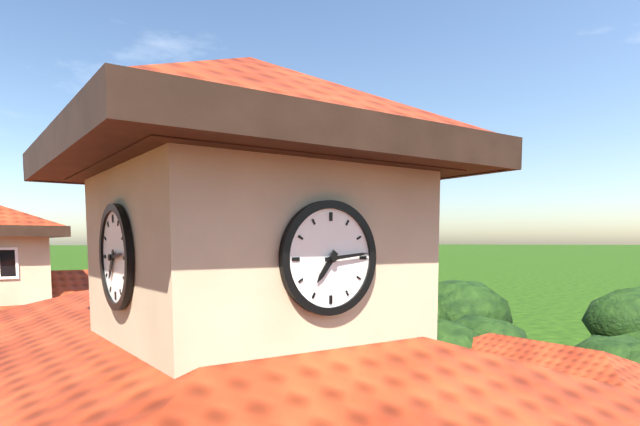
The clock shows **7:14**
